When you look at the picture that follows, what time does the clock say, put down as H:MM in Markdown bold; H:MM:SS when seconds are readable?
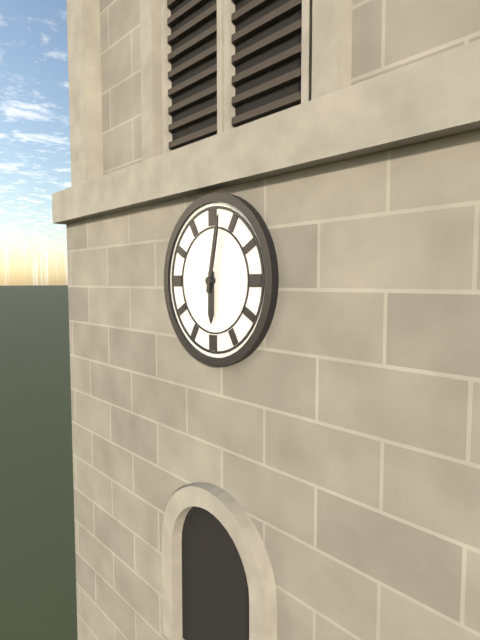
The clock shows **6:02**
